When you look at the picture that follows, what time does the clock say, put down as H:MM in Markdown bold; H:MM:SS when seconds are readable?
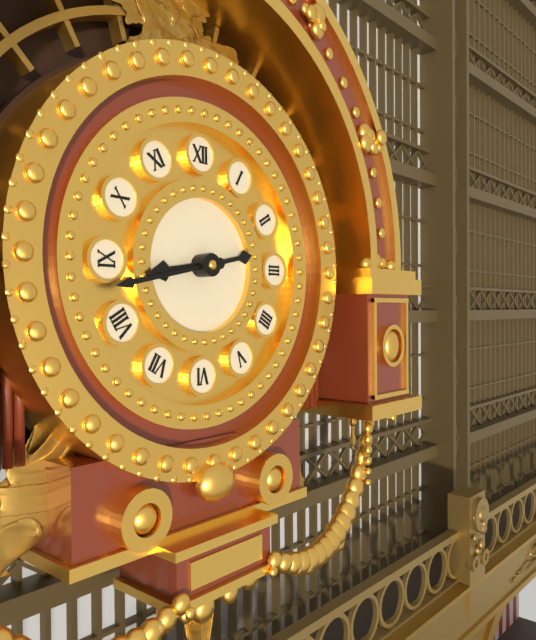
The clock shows **8:43**
